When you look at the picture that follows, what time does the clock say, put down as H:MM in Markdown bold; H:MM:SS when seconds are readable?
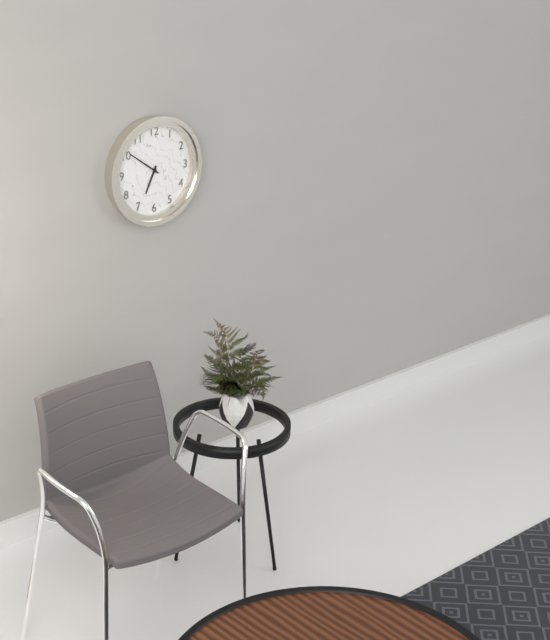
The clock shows **6:51**
